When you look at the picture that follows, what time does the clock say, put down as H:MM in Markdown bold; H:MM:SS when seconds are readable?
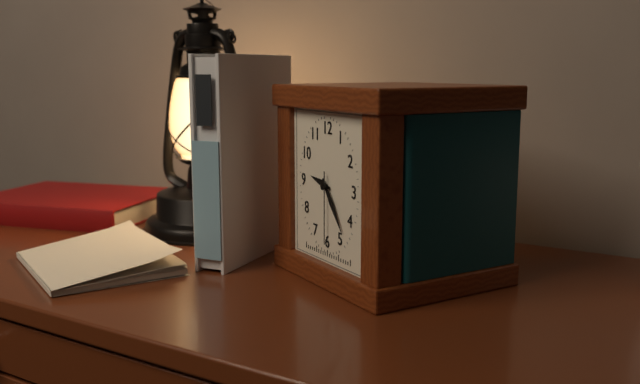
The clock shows **9:24:30**
